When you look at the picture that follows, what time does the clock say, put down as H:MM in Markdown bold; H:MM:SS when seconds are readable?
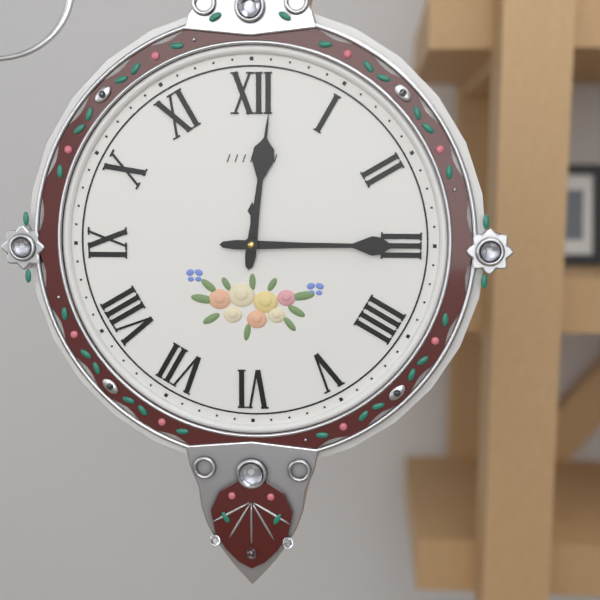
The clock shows **12:15**
